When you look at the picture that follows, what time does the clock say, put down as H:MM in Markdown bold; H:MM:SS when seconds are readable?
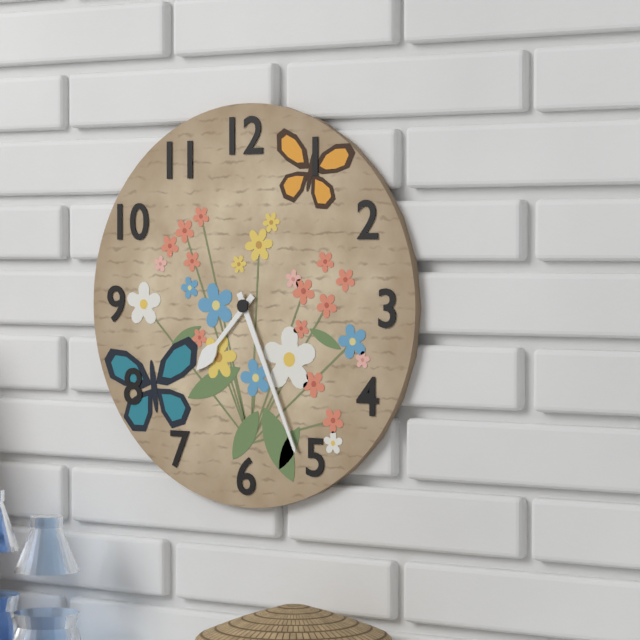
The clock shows **7:26**
